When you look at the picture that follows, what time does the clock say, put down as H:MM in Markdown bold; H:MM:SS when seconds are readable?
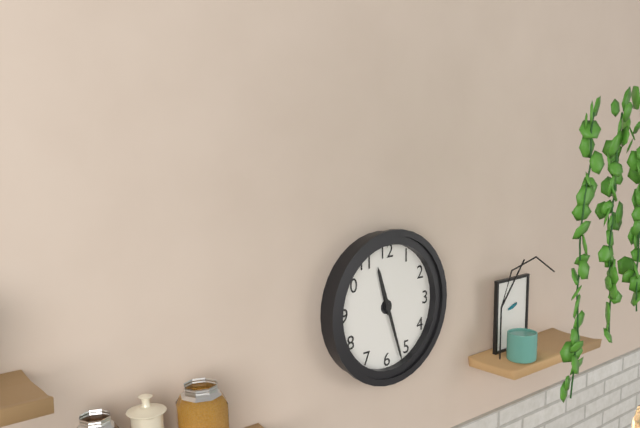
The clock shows **11:27**
